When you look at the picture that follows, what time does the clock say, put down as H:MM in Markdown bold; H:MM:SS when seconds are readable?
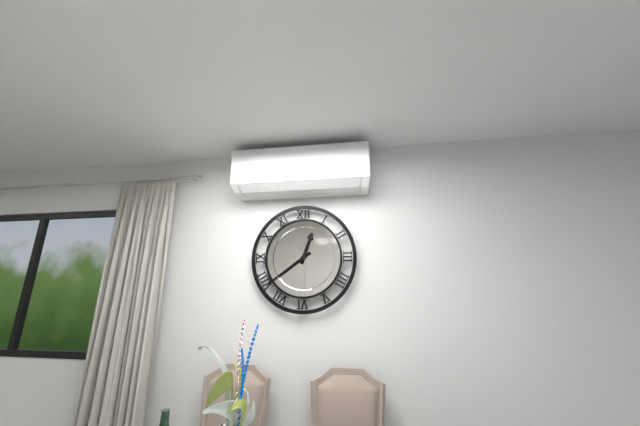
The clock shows **12:39**
